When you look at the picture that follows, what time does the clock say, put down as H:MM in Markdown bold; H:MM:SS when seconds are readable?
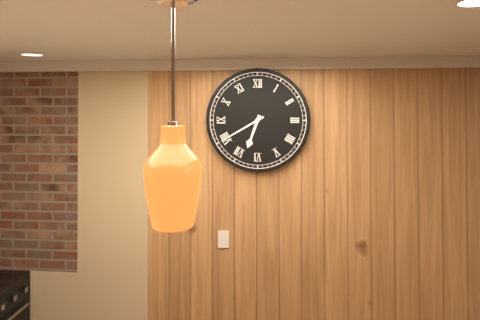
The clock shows **6:40**
